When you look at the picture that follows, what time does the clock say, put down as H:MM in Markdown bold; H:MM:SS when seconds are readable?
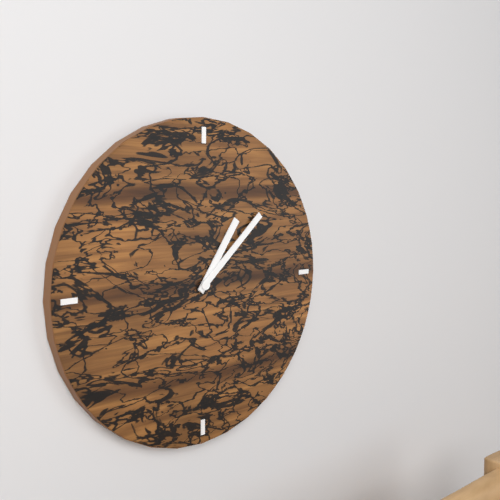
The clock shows **1:08**
